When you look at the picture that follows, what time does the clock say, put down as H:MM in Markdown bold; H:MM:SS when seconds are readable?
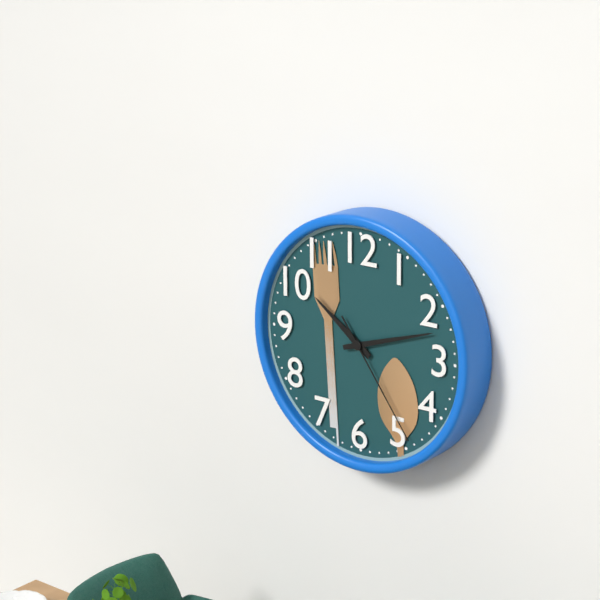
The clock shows **10:12:24**
